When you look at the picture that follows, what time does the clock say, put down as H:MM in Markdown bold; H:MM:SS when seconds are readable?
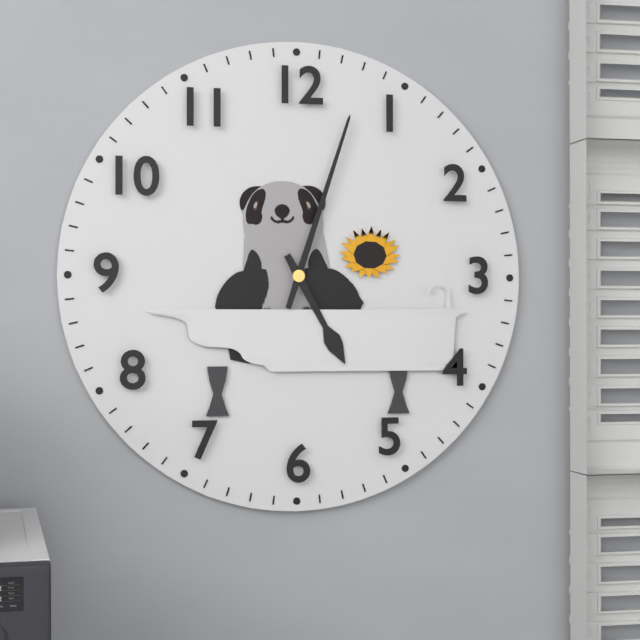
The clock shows **5:03**
